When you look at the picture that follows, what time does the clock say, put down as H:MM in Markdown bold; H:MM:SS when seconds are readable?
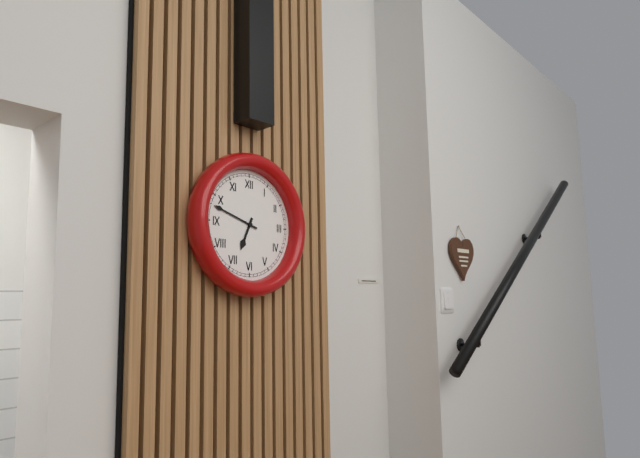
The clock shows **6:48**
